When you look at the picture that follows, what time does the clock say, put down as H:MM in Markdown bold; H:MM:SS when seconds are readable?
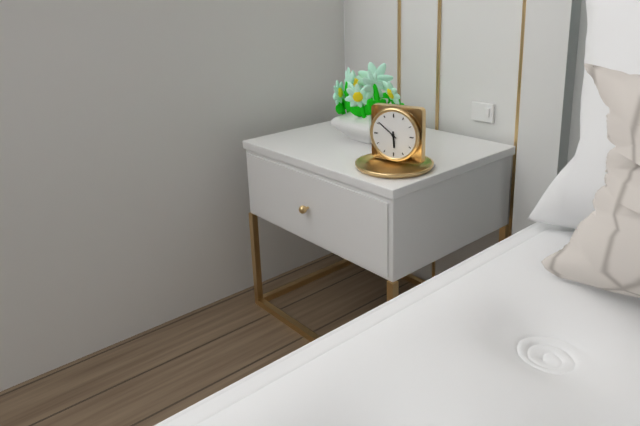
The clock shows **5:51**
